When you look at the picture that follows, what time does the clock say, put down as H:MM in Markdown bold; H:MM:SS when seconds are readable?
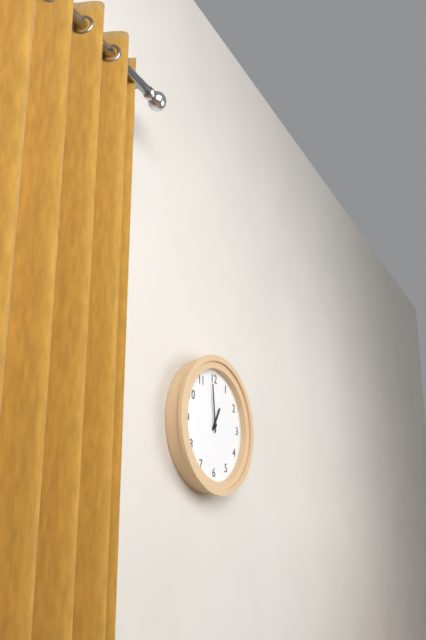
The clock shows **12:59**
